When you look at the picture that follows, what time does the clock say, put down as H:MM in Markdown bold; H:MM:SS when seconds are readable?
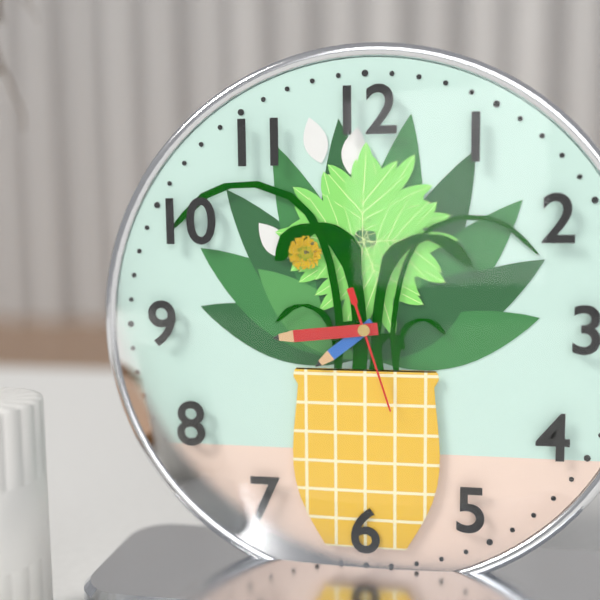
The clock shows **7:44:27**
